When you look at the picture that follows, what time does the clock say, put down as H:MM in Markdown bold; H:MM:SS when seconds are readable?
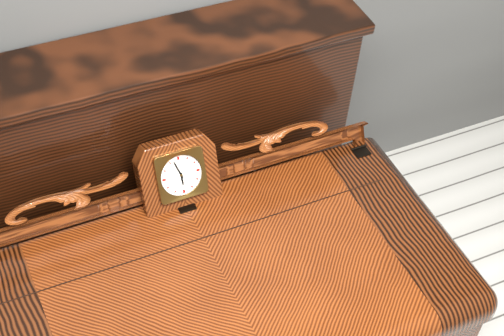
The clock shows **5:57**
